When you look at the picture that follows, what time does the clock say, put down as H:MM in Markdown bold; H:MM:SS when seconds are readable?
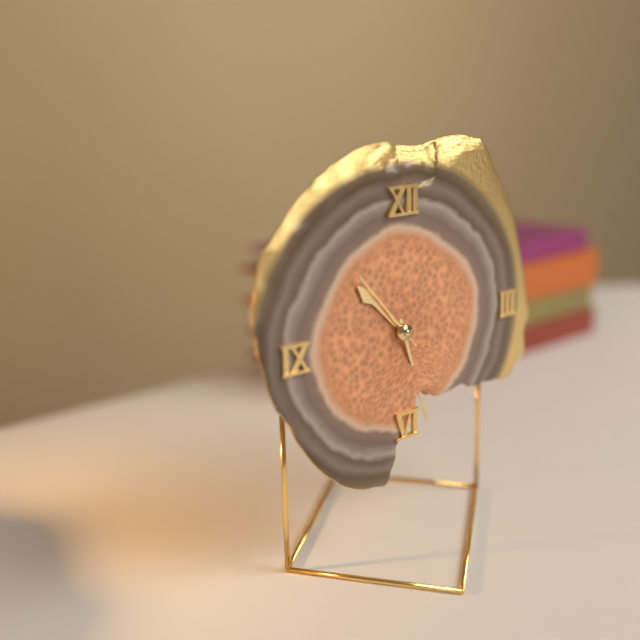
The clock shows **10:27:53**
